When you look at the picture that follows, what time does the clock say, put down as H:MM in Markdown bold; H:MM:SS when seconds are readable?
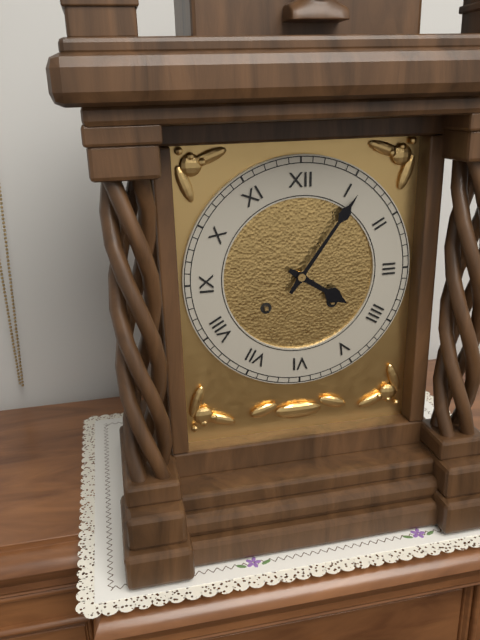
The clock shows **4:06**
